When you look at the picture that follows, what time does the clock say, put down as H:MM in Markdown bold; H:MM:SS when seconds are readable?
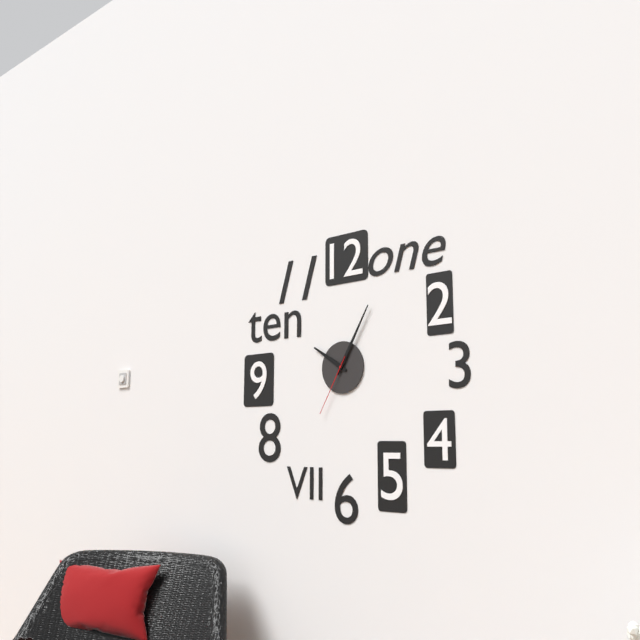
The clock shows **10:05:35**
